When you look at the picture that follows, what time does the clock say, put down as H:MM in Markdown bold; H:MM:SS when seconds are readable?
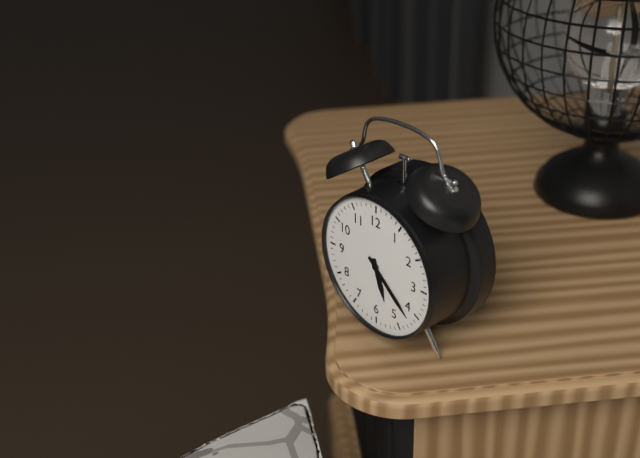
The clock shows **5:22**
